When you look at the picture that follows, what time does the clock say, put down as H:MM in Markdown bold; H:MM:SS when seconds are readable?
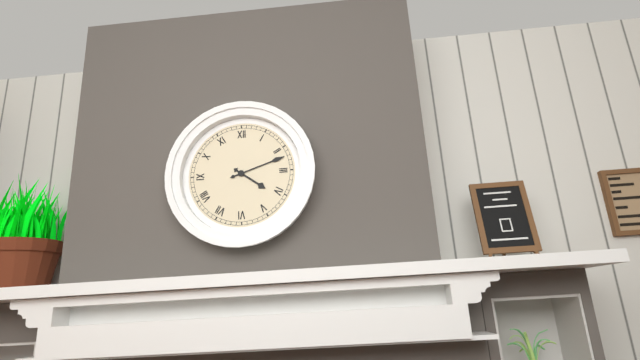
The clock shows **4:12**
